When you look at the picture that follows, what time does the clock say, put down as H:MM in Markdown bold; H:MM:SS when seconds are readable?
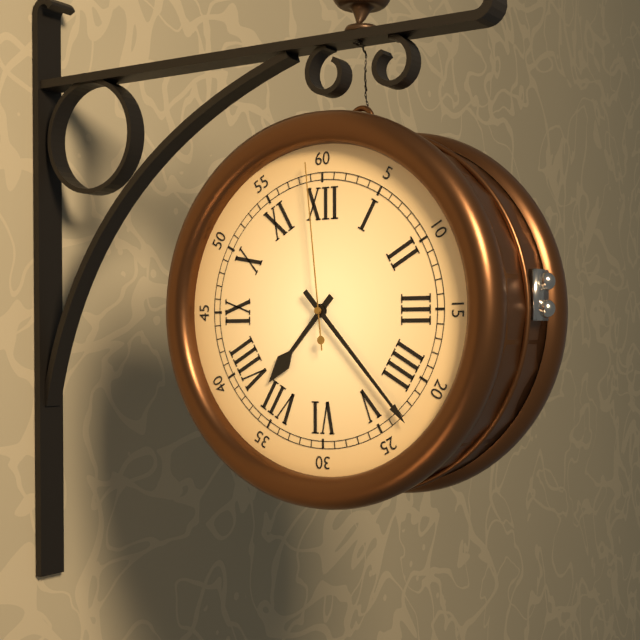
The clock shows **7:23:59**
